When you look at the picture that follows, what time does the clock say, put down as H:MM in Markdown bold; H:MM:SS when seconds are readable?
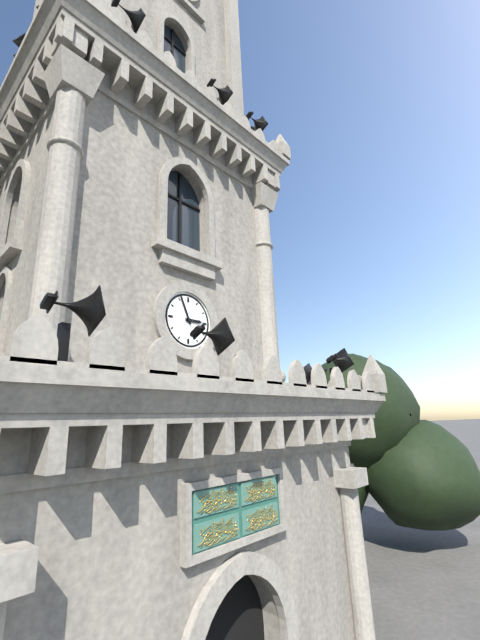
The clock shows **2:56**
